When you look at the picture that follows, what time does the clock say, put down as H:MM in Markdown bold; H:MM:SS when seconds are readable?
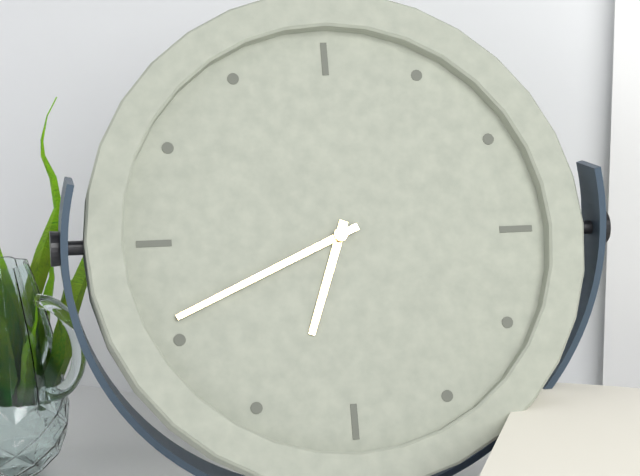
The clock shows **6:41**
